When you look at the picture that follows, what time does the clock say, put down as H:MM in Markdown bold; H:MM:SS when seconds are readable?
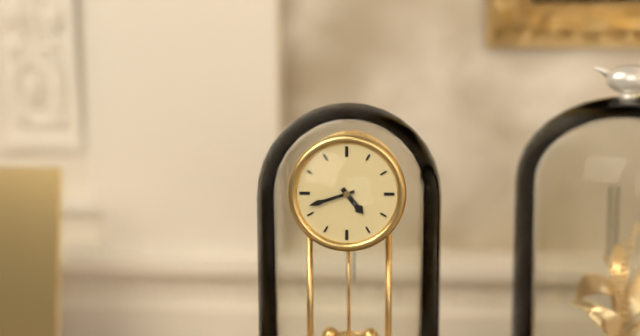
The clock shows **4:42**
